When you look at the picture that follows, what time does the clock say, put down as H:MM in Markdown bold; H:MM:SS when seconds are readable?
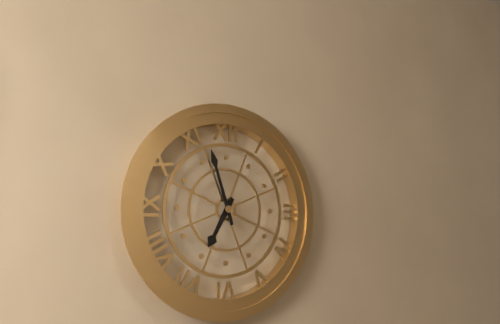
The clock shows **6:57**
